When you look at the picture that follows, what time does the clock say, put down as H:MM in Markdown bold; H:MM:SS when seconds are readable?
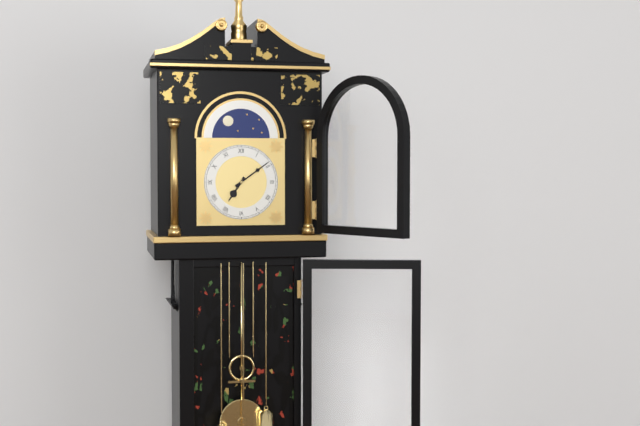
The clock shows **7:09**
